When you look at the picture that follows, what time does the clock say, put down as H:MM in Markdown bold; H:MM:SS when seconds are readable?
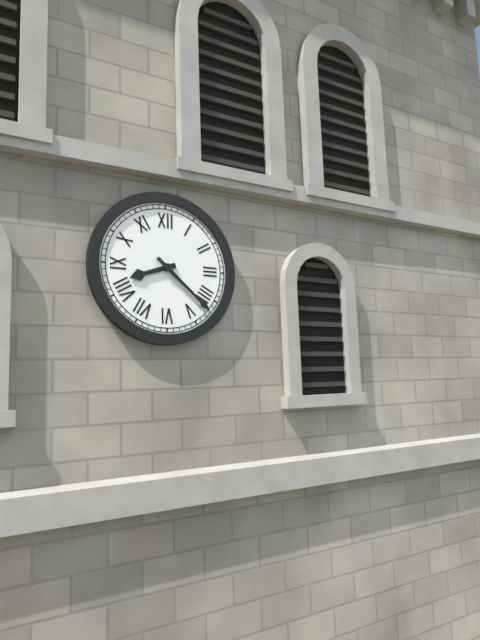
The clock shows **8:22**
